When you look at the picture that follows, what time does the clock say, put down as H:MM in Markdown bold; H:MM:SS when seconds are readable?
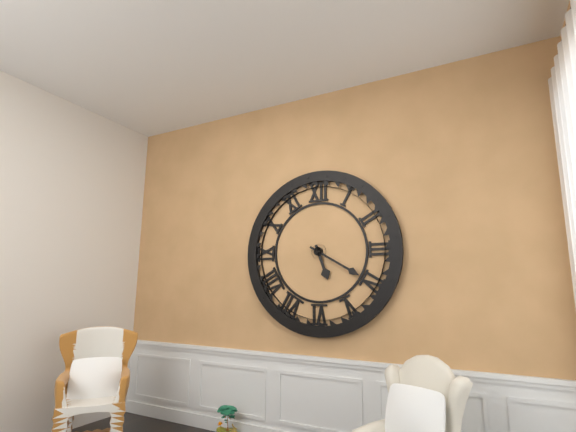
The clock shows **5:20**
